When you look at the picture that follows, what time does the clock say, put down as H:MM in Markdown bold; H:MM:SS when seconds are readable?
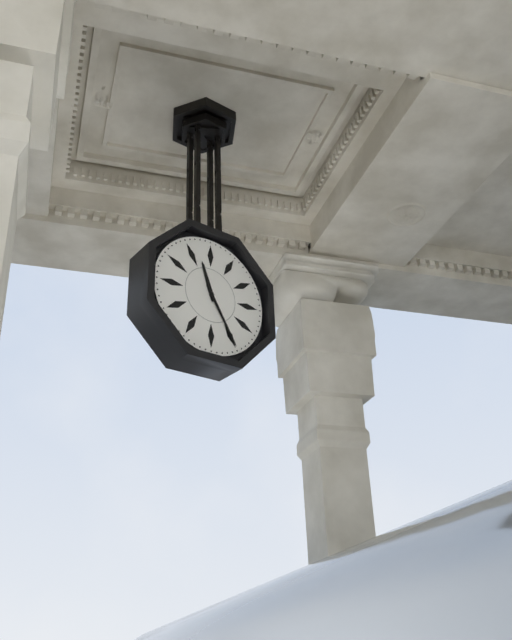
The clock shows **11:25**
